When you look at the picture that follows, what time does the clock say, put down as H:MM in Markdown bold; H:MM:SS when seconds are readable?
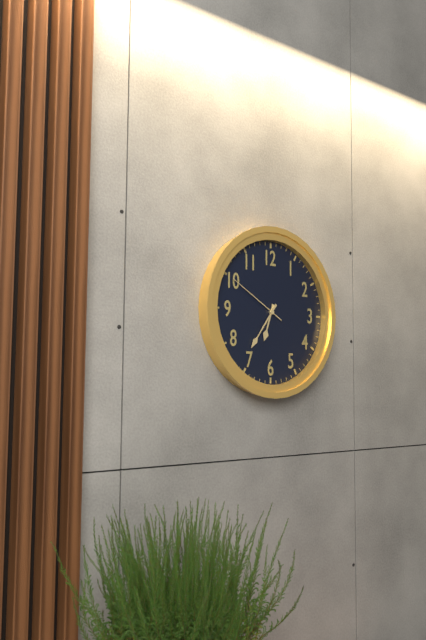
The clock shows **6:36:50**
